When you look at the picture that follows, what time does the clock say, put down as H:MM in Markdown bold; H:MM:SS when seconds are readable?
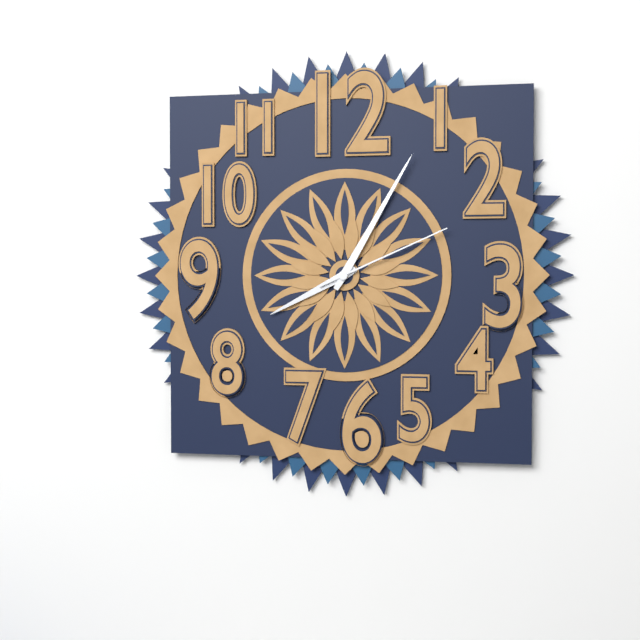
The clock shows **8:05:11**
